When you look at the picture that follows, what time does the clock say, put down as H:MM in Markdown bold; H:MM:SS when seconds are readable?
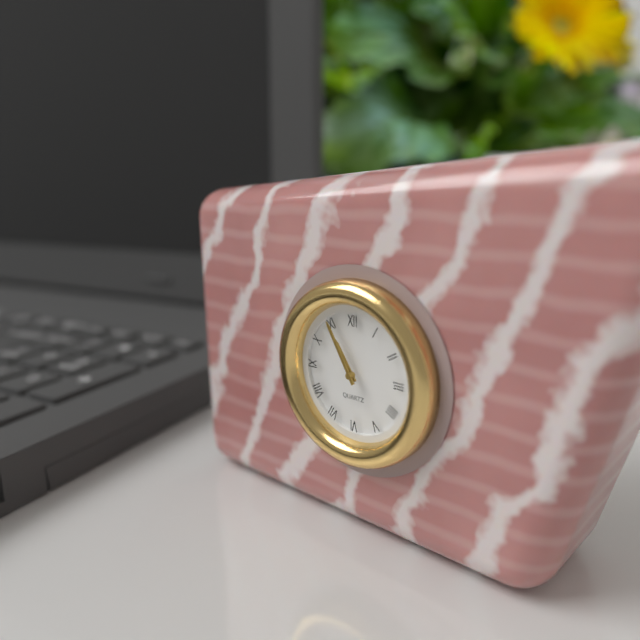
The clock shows **10:55**
